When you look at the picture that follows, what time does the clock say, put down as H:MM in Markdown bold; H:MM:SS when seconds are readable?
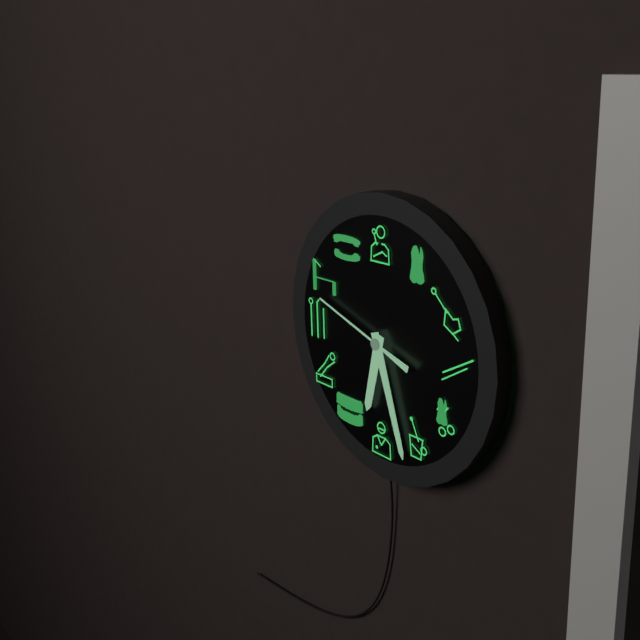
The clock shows **6:27:48**
